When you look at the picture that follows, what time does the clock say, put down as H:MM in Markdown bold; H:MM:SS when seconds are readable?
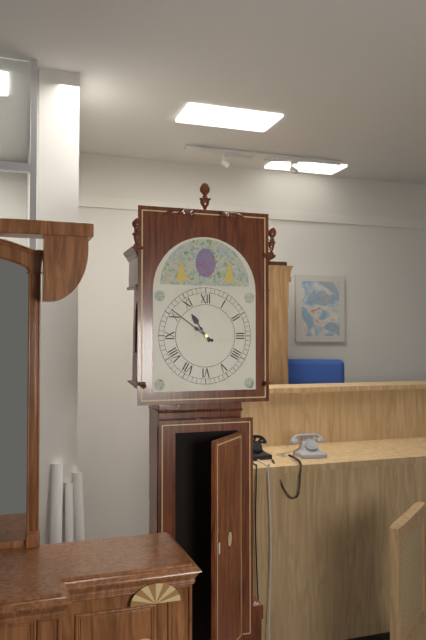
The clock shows **10:51**
